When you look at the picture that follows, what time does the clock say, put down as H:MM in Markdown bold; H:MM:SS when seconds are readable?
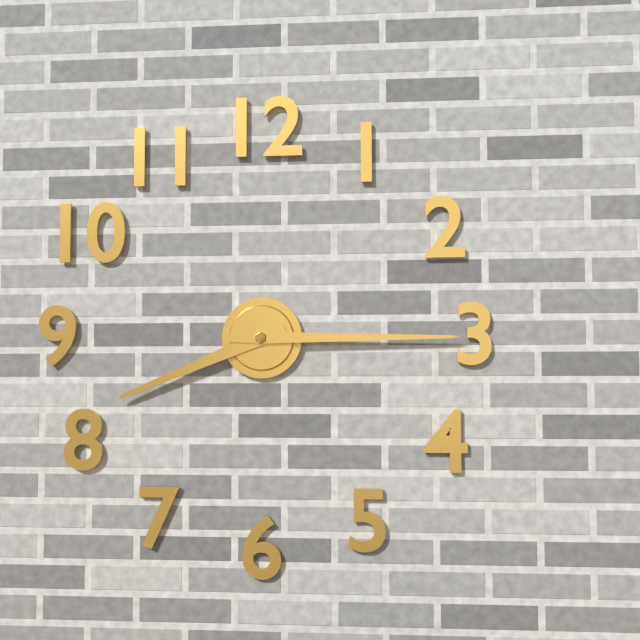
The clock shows **8:15**
